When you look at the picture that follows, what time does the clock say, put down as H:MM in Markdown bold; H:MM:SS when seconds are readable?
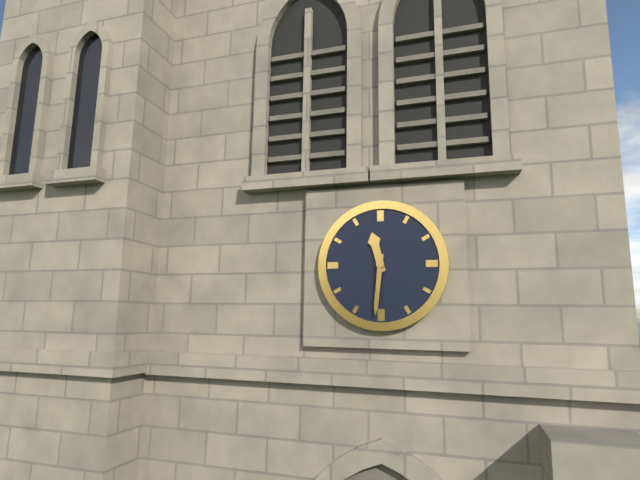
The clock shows **11:31**
